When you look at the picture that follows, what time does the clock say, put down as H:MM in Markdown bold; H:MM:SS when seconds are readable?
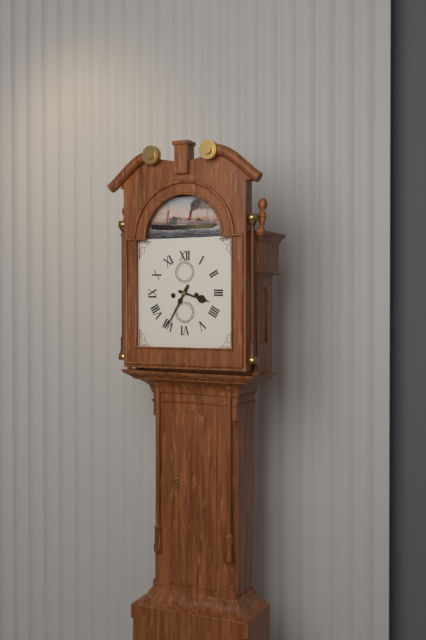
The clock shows **3:35**
